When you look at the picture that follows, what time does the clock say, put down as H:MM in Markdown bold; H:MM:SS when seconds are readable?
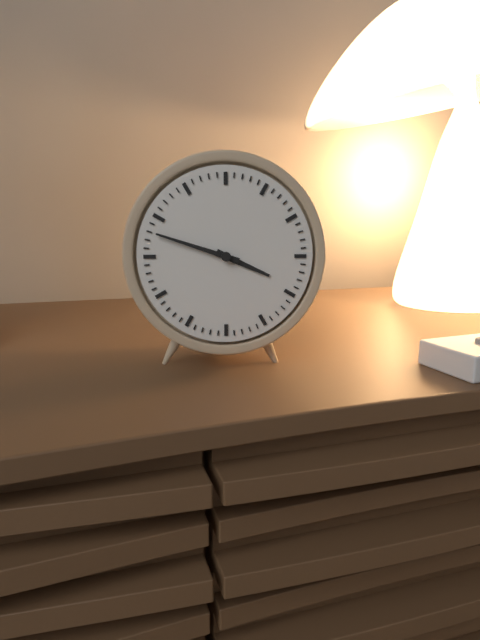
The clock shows **3:48**
